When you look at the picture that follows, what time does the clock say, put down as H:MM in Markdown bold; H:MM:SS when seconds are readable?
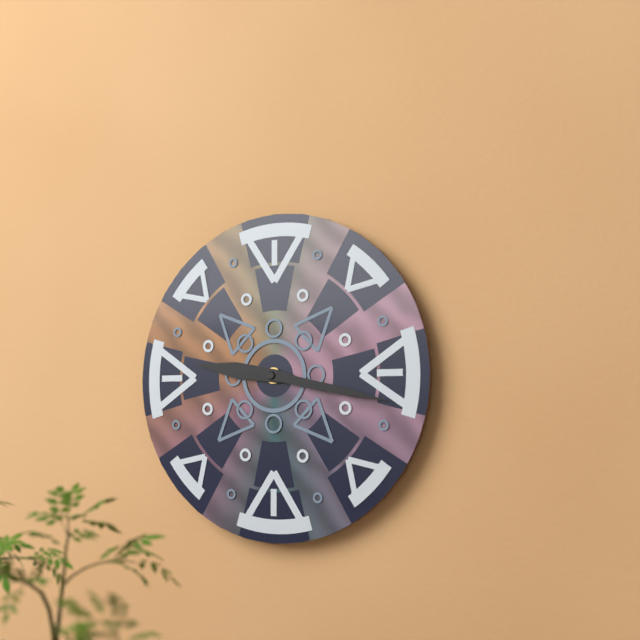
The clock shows **9:17**
